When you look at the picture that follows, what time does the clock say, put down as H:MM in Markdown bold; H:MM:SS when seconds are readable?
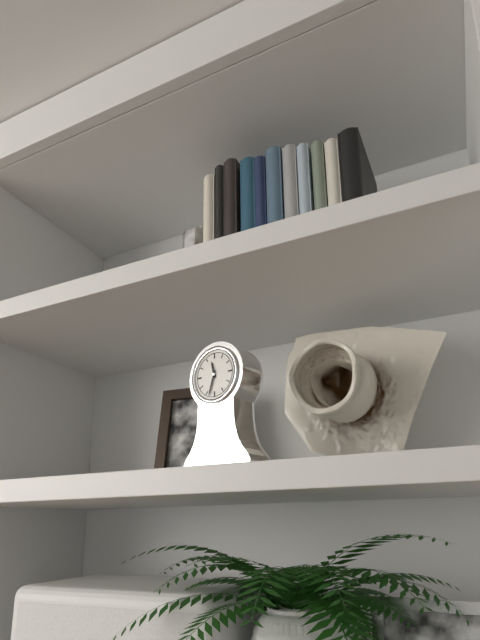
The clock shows **11:33**
